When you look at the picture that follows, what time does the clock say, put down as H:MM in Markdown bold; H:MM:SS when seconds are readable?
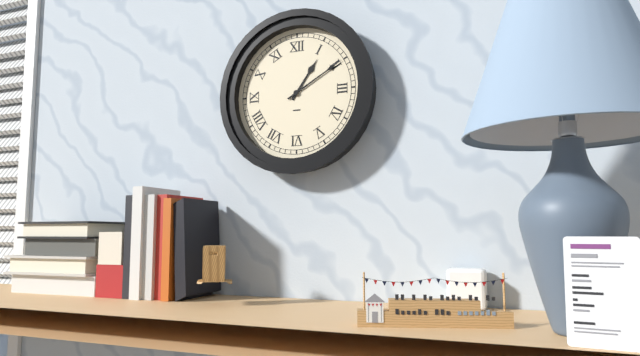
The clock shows **1:10**
